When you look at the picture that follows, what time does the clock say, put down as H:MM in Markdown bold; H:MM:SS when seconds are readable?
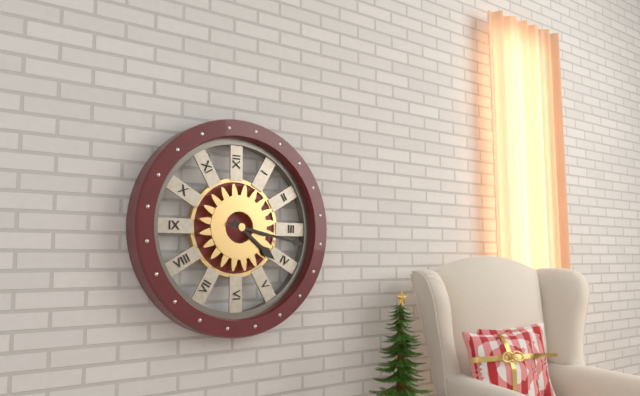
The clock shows **4:17**
